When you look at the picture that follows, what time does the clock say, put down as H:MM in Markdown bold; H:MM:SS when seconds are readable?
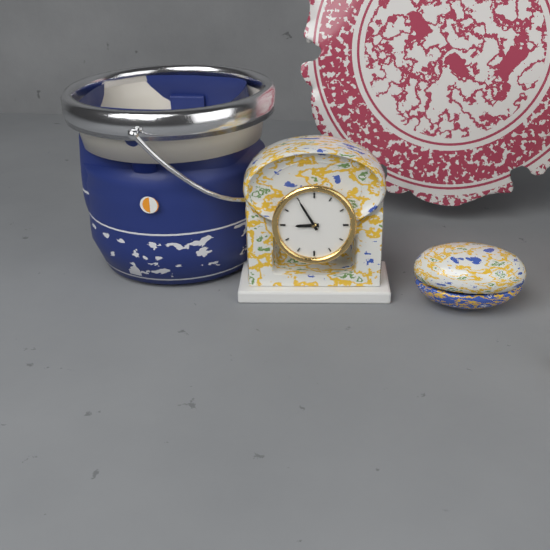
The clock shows **8:55**
